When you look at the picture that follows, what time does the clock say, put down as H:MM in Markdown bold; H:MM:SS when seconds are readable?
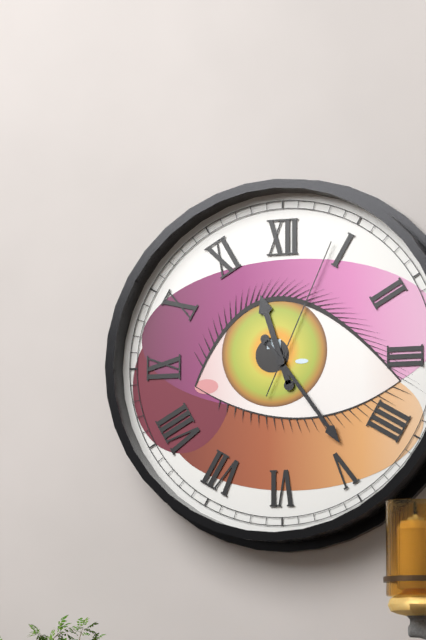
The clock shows **11:24:04**
